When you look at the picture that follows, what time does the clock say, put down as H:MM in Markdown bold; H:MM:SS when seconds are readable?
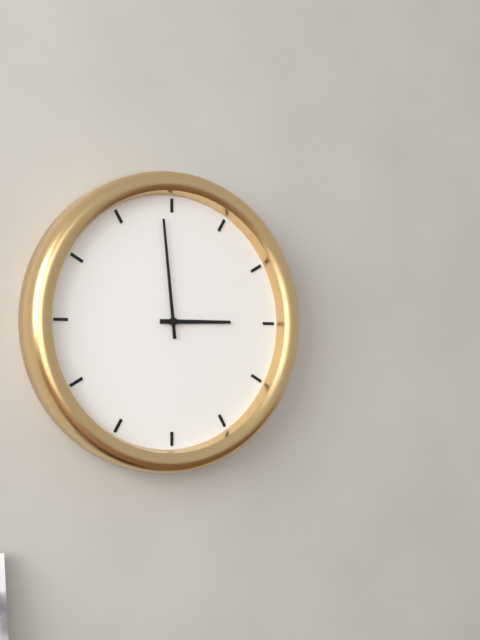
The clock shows **2:59**
